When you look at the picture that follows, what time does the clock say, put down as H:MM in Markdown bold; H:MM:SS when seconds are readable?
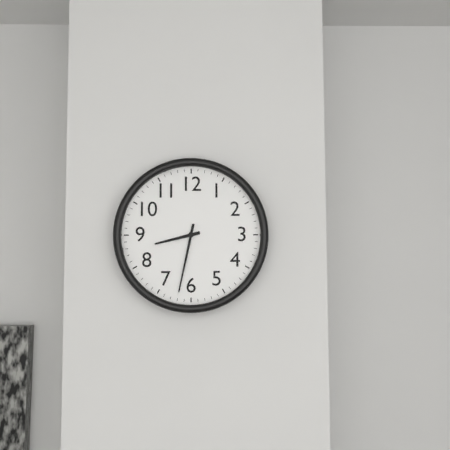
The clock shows **8:32**
